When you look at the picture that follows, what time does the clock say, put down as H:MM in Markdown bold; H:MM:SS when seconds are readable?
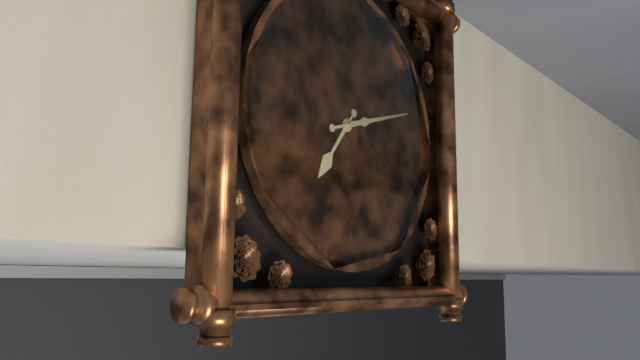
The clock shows **7:12**
